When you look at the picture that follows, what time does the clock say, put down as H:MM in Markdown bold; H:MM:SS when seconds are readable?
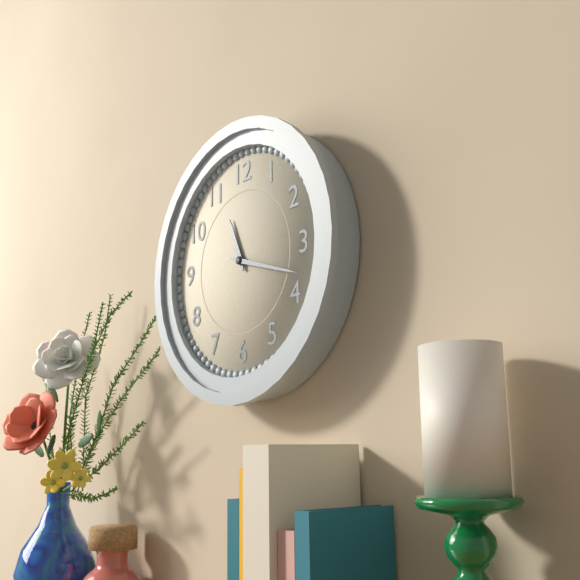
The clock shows **11:18**
